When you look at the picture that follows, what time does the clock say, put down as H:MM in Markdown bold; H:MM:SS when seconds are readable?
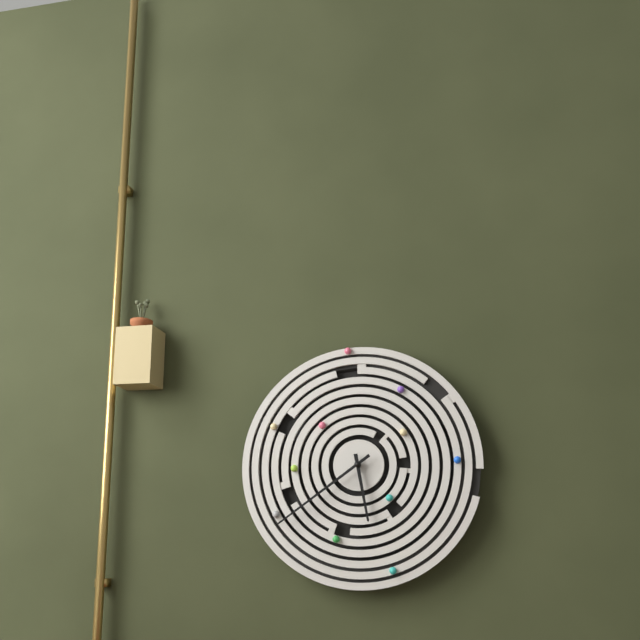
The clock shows **5:39**
